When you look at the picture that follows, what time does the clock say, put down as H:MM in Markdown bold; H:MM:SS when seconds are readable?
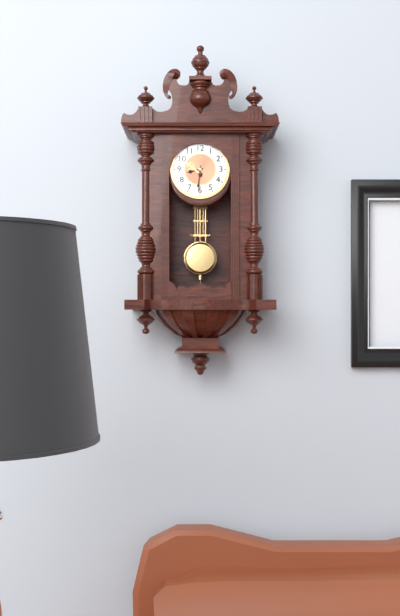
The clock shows **8:31**
